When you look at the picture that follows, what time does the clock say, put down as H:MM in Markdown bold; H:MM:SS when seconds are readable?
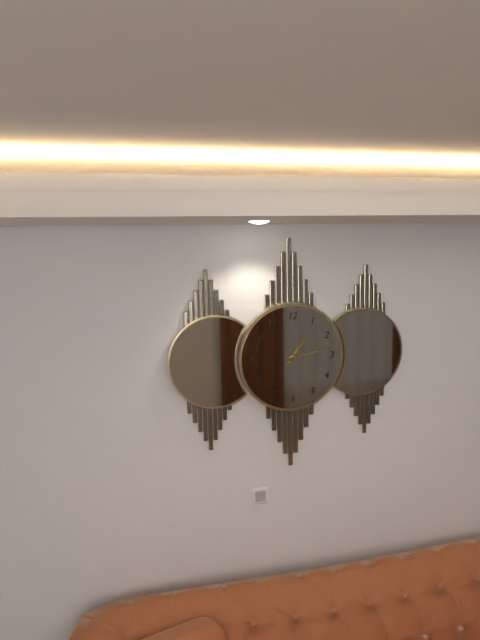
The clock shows **1:13**
